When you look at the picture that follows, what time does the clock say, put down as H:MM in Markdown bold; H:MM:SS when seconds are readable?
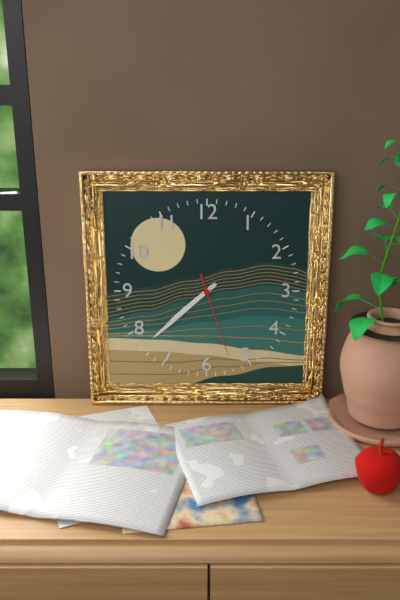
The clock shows **7:38:27**
